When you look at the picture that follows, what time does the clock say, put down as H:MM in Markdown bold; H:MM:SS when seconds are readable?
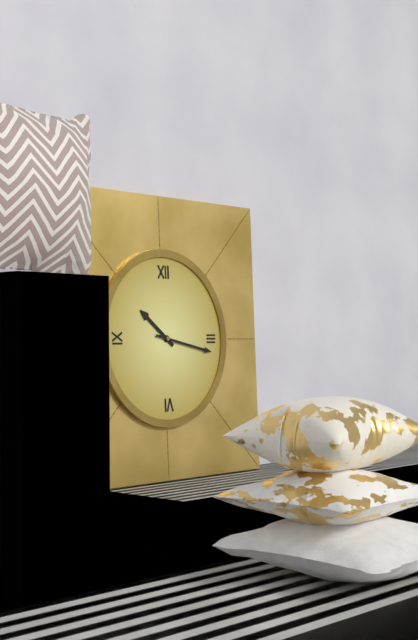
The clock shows **10:17**
